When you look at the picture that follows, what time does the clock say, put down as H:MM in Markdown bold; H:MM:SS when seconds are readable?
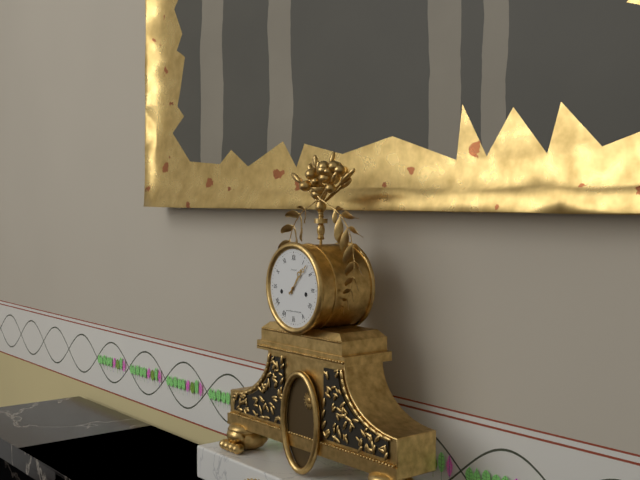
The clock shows **1:07**
